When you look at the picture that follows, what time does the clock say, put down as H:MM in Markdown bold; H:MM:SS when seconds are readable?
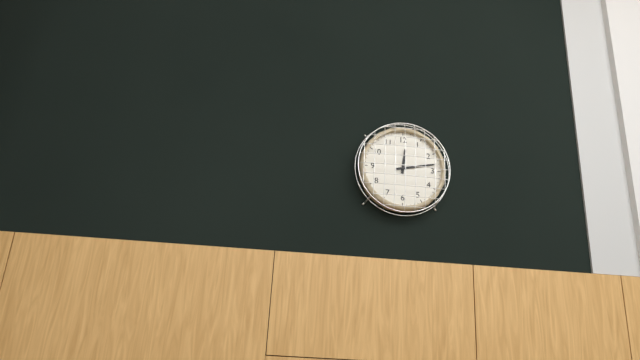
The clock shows **12:13**
